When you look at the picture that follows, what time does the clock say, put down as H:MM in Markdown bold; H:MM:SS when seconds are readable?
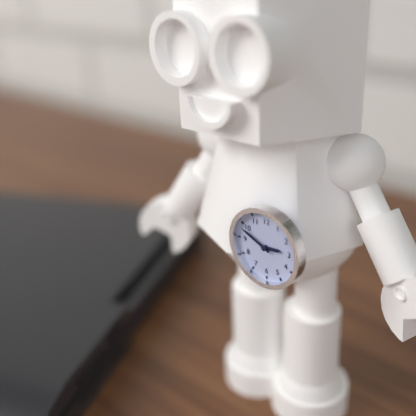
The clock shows **2:49**
